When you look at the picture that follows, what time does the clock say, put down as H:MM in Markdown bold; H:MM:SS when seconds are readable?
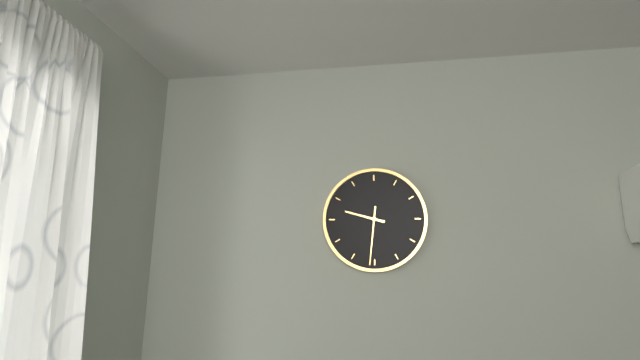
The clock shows **9:31**
